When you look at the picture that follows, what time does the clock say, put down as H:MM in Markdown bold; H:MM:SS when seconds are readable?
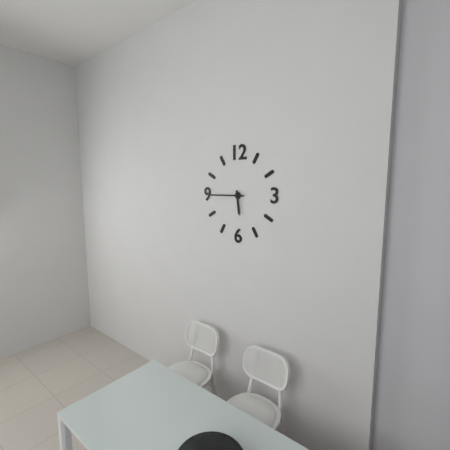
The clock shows **5:45**
